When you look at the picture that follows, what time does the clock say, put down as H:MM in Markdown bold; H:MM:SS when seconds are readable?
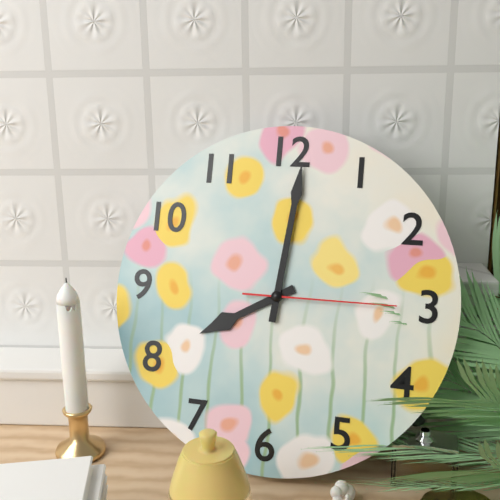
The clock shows **8:01:15**
